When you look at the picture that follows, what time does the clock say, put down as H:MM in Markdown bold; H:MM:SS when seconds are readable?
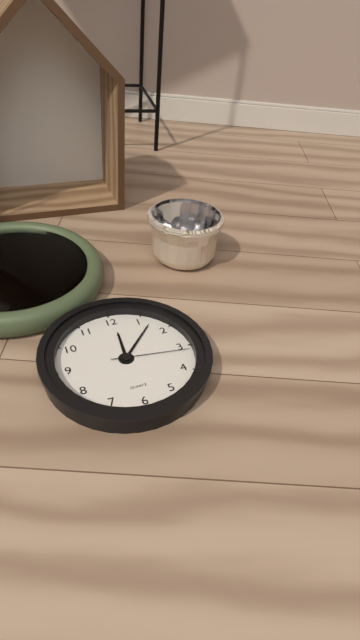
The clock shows **12:07:16**
